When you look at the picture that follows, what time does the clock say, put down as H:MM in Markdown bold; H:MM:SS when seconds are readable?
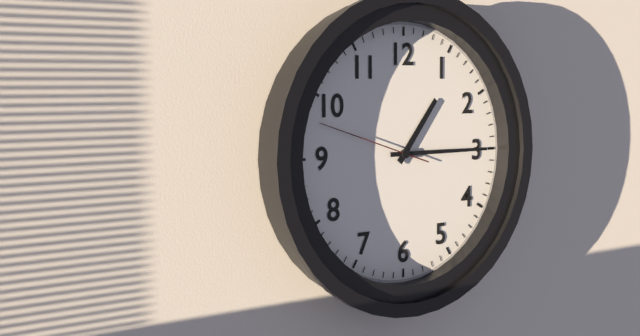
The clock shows **1:15:48**
